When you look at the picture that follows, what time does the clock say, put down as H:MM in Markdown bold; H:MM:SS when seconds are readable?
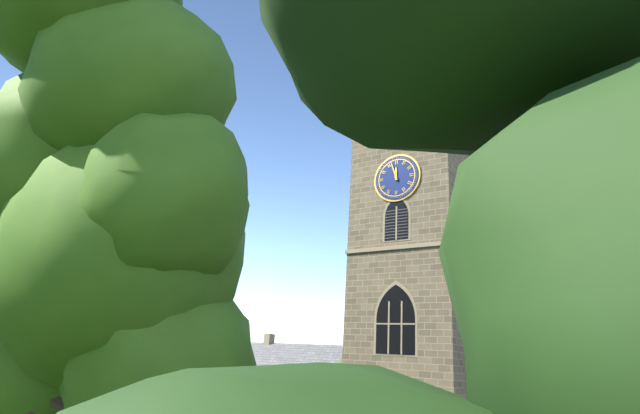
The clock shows **11:57**
